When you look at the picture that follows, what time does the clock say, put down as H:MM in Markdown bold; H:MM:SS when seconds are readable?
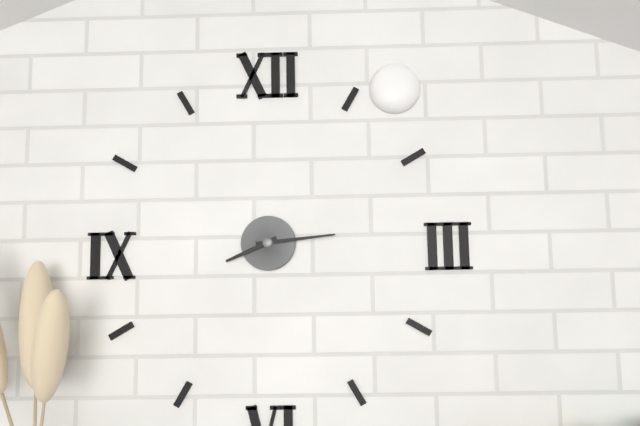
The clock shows **8:14**
